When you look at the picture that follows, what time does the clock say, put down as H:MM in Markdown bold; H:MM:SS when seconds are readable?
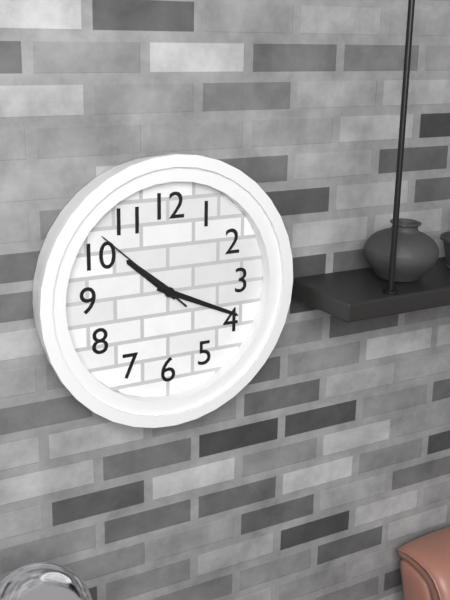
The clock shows **10:19:52**
